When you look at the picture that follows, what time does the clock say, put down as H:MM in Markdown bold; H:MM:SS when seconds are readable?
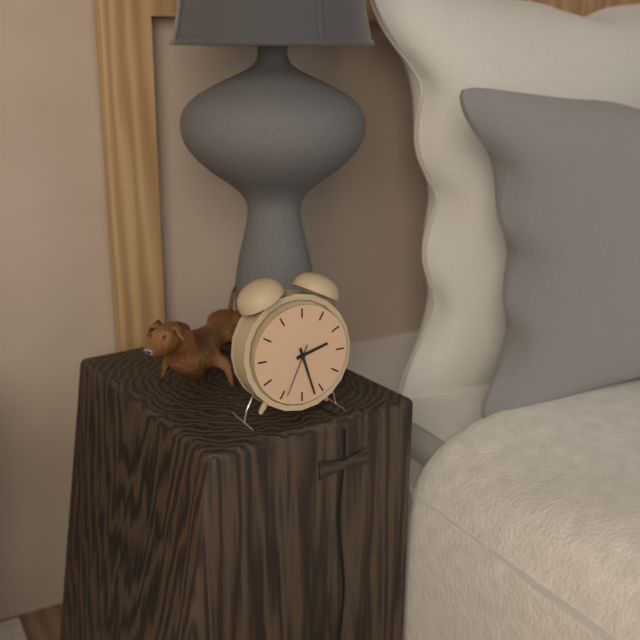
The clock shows **2:27:34**
